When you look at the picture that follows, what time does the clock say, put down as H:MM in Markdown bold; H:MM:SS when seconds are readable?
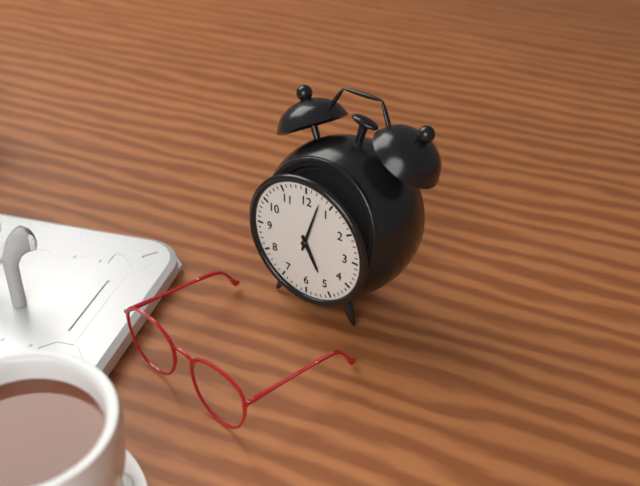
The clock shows **5:03**
